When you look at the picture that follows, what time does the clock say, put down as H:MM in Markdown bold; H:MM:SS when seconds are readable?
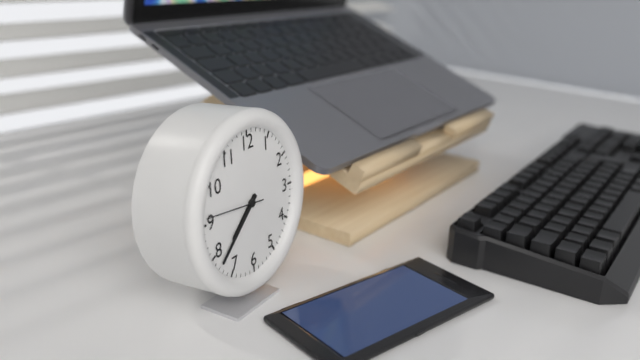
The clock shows **7:38:46**
